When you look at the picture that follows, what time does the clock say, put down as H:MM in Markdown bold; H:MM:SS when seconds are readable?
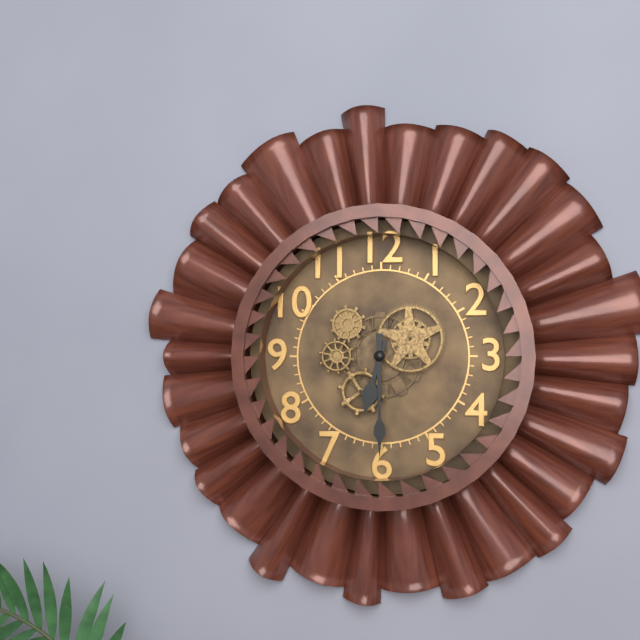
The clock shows **6:30**
